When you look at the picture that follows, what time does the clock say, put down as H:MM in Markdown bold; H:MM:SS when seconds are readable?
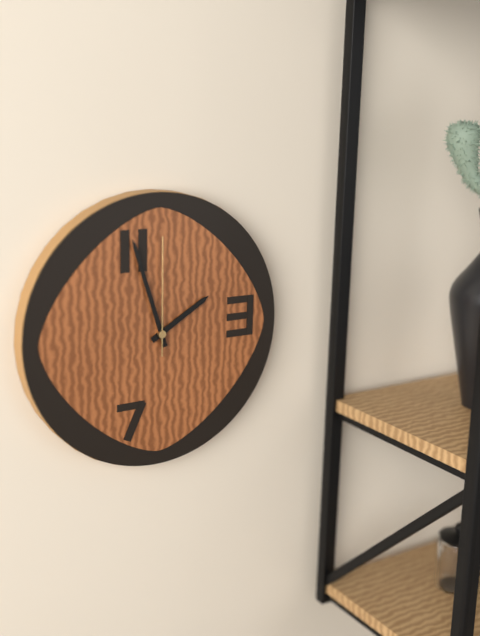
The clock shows **1:57:00**
